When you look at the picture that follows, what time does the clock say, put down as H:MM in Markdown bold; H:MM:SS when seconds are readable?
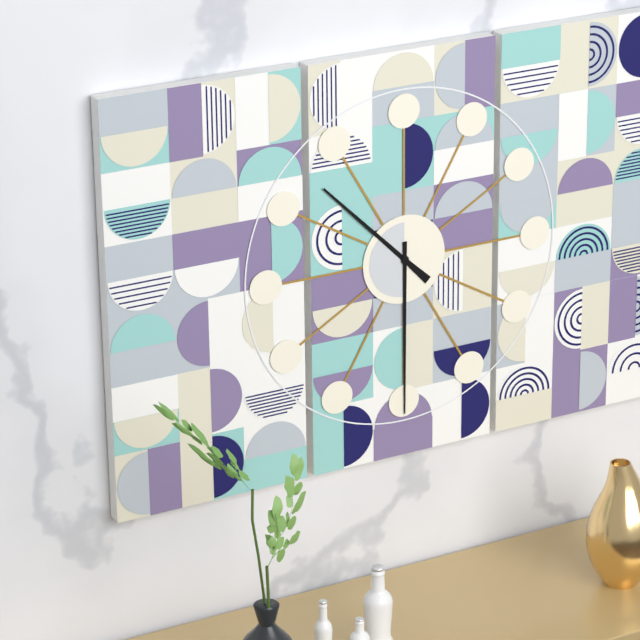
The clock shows **10:30**
